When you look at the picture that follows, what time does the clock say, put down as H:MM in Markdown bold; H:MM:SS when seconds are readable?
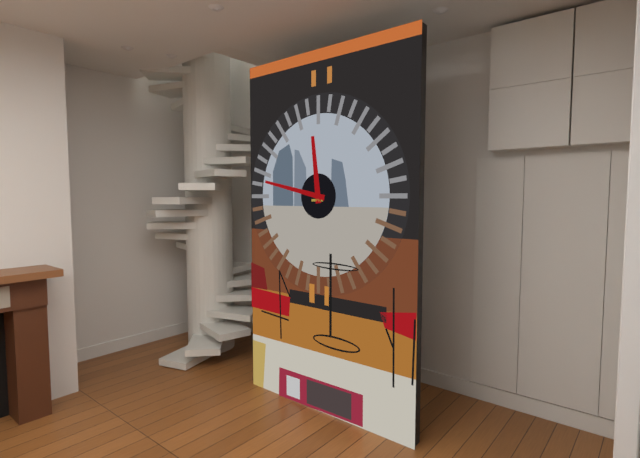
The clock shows **11:47**
